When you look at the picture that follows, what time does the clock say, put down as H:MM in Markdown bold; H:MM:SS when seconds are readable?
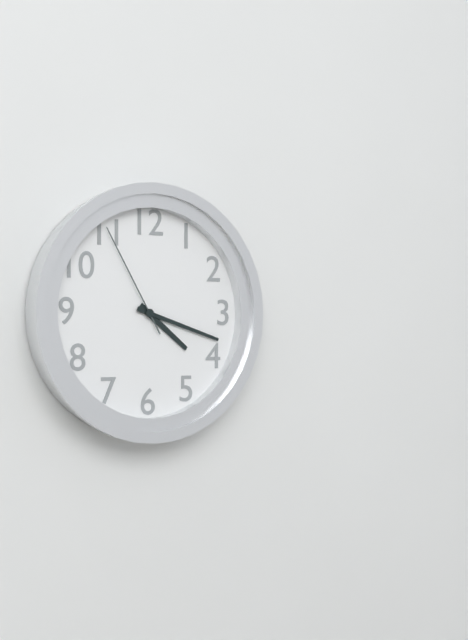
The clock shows **4:18:55**
